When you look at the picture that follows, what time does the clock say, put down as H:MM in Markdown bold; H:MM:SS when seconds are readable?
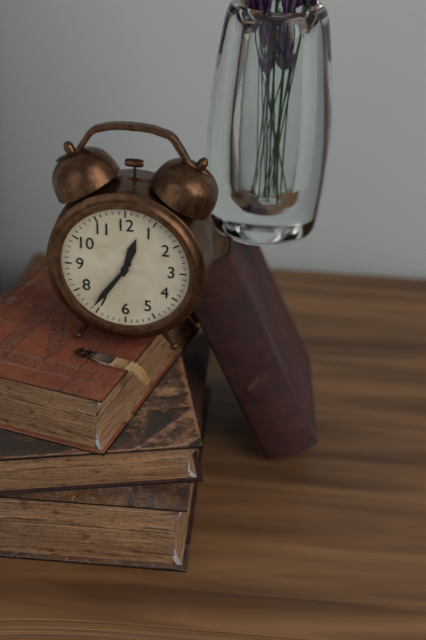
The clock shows **12:36**
